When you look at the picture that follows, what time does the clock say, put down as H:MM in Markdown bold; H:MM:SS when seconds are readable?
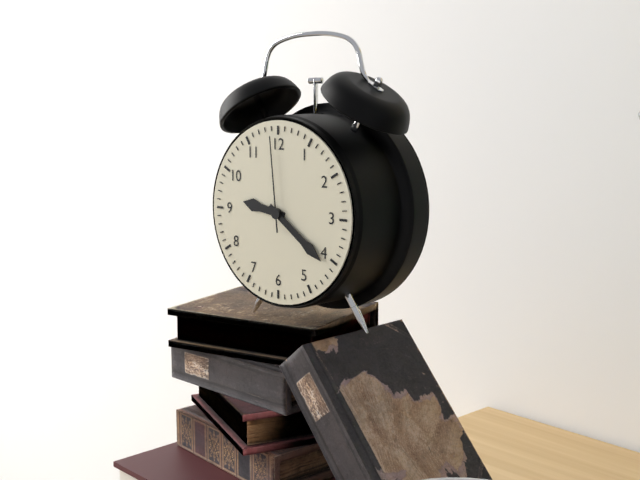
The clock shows **9:21:59**
